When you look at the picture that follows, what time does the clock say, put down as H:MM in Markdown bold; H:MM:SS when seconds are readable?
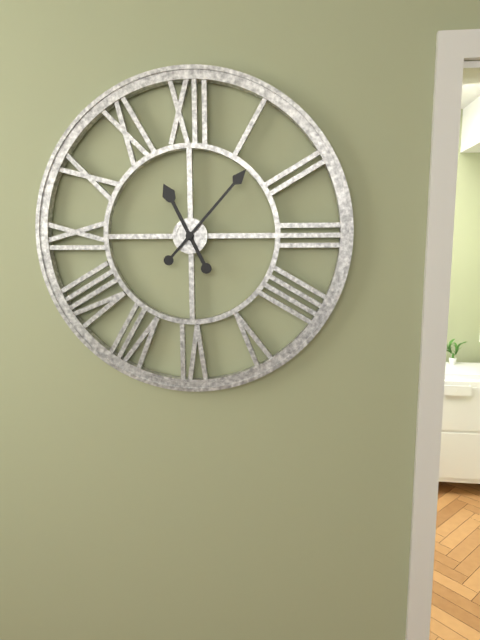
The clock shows **11:07**
